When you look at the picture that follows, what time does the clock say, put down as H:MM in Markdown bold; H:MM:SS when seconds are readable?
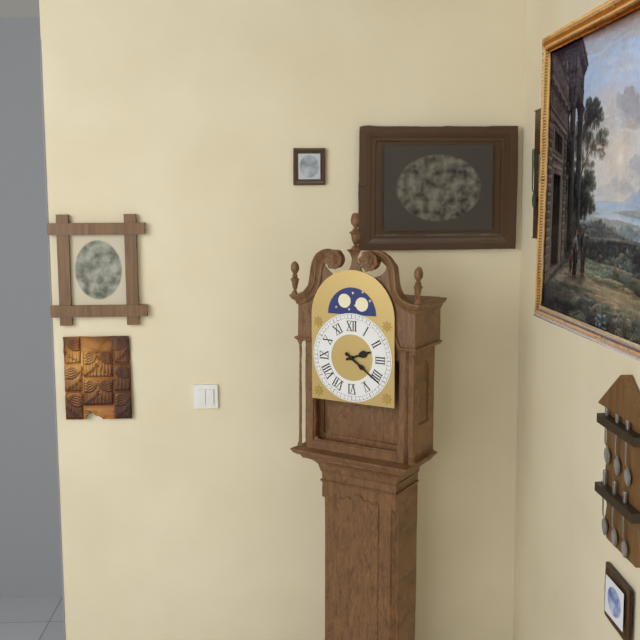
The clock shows **2:21**
